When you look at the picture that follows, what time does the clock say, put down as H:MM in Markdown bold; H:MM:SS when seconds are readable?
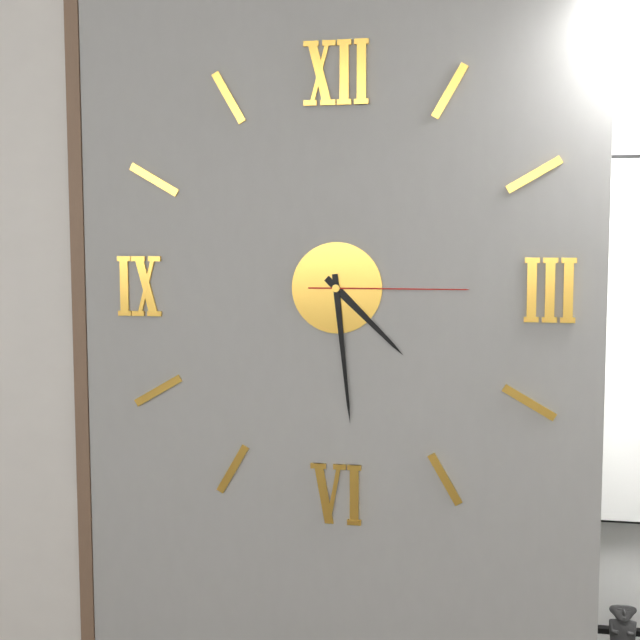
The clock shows **4:29:15**
